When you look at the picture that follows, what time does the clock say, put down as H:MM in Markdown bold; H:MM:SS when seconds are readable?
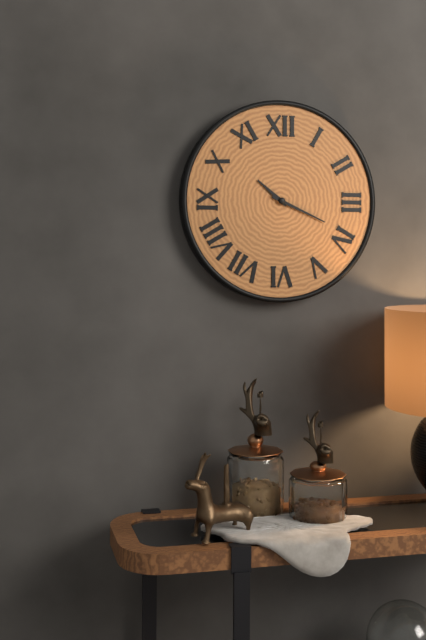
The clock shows **10:19**
